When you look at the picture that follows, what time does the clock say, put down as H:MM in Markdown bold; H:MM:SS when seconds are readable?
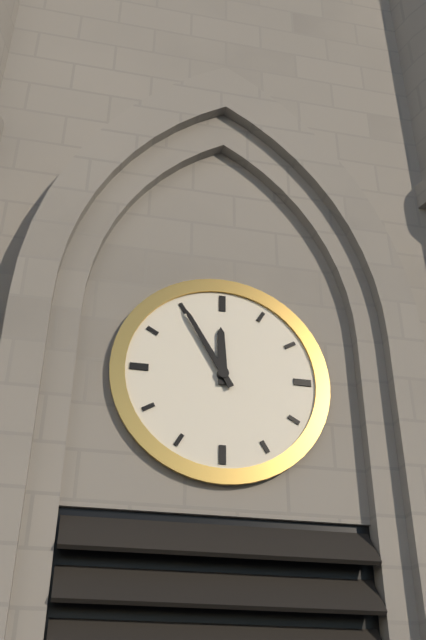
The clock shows **11:55**
